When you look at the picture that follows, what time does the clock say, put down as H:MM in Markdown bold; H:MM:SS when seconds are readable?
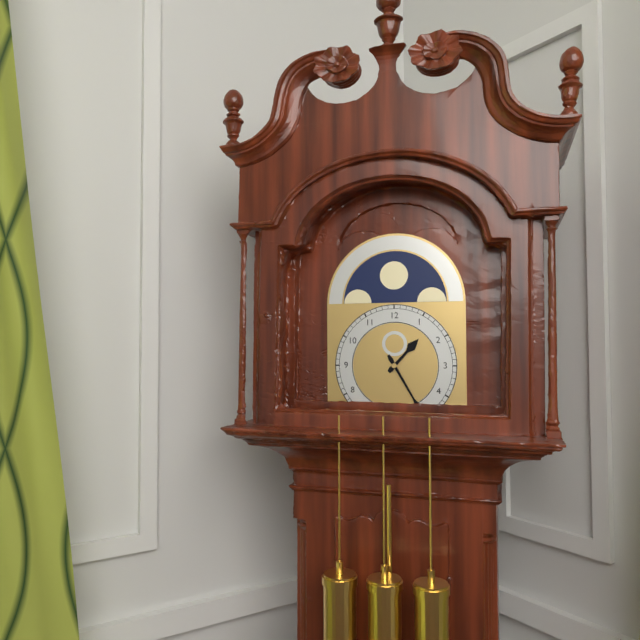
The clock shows **1:25**
